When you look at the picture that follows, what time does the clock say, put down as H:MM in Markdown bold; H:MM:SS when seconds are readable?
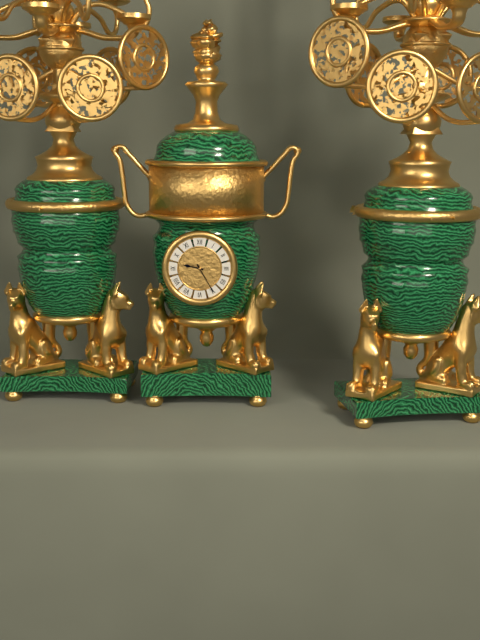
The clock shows **9:25**
